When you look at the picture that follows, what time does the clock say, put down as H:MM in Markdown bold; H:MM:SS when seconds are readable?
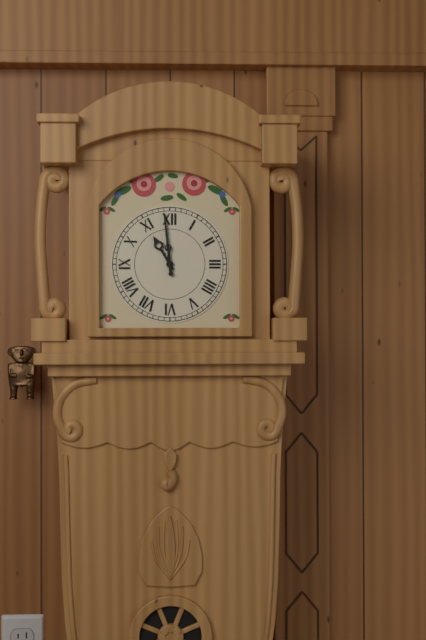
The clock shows **10:59**
